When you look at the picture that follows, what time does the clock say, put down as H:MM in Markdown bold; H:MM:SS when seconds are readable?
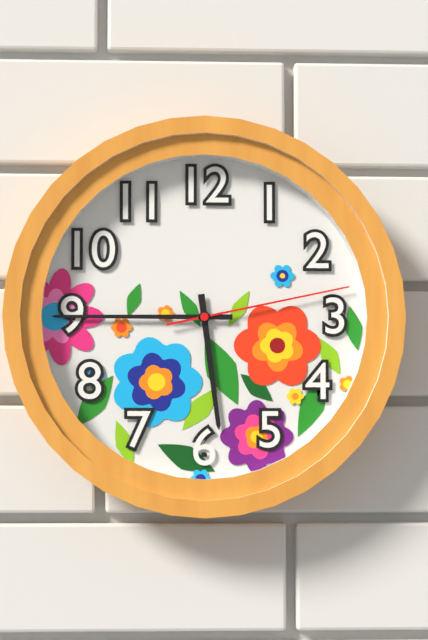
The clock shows **5:45:13**
